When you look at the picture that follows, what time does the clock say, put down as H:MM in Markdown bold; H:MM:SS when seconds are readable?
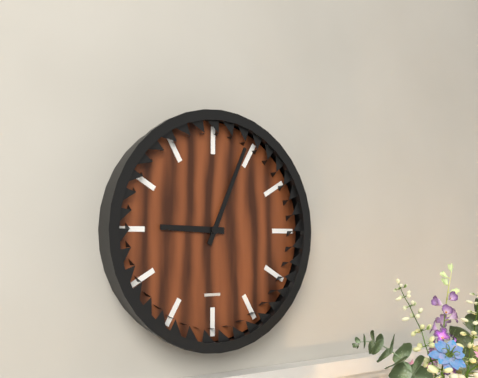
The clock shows **9:04**
